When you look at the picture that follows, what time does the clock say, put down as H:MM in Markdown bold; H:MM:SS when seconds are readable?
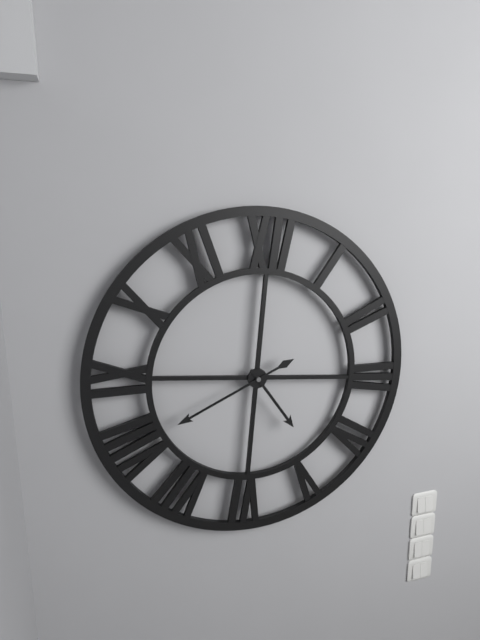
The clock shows **4:40**
